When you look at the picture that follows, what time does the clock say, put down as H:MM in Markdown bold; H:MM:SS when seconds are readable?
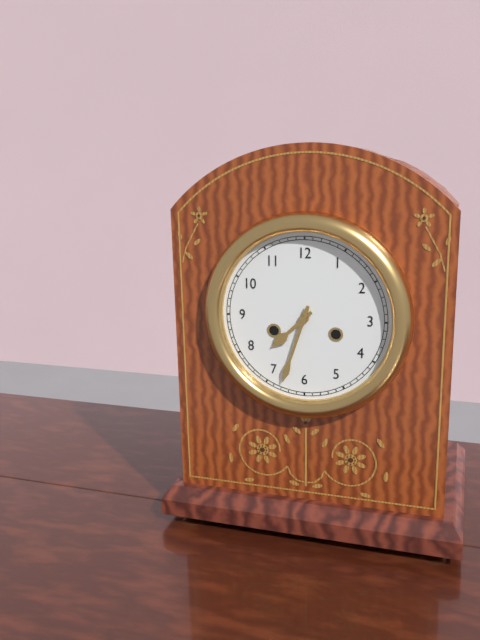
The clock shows **7:33**
